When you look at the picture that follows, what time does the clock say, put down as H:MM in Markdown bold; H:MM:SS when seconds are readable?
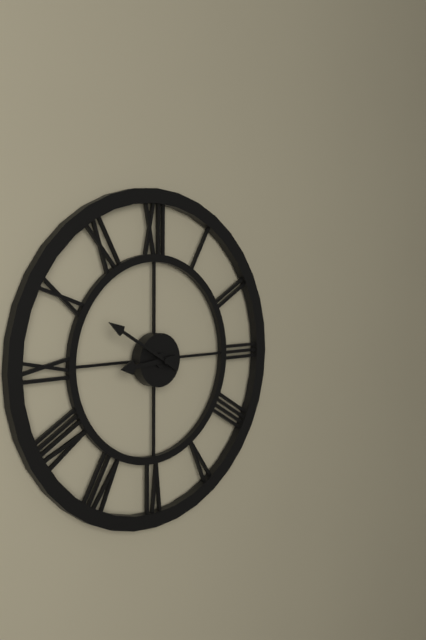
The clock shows **8:50**
